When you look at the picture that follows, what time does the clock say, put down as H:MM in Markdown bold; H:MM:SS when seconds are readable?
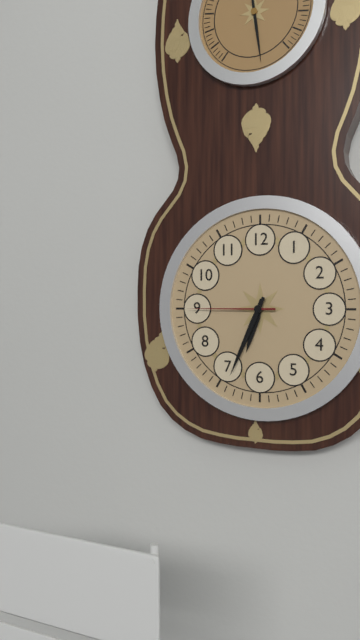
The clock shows **6:34:45**
